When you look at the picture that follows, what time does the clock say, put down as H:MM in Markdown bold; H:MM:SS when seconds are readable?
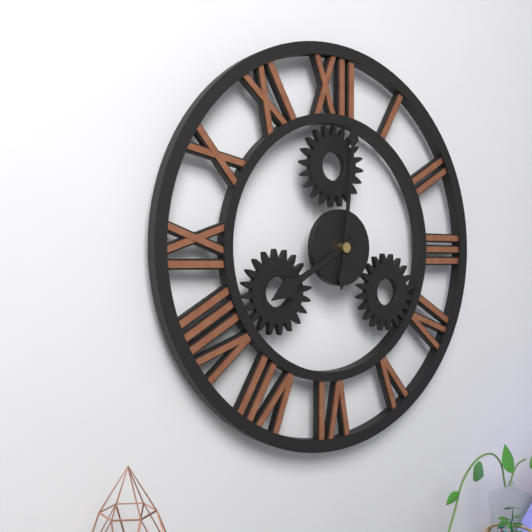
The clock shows **8:01**
